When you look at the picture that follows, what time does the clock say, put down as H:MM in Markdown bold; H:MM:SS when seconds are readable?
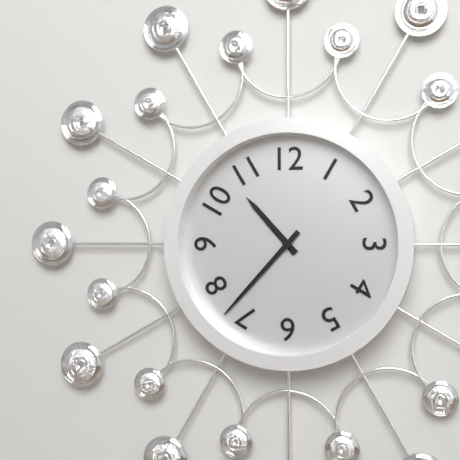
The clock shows **10:37**
